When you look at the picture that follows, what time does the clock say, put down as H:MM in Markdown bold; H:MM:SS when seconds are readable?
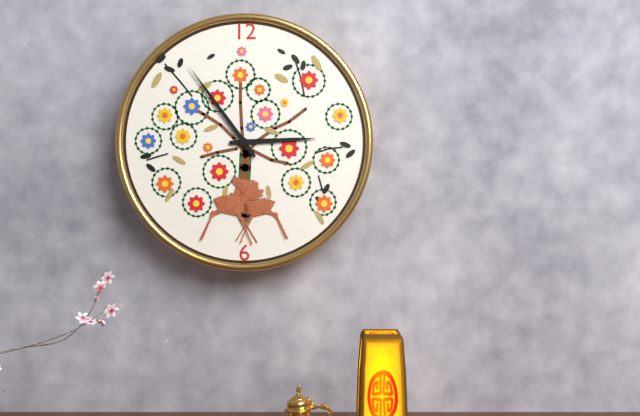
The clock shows **2:54**
